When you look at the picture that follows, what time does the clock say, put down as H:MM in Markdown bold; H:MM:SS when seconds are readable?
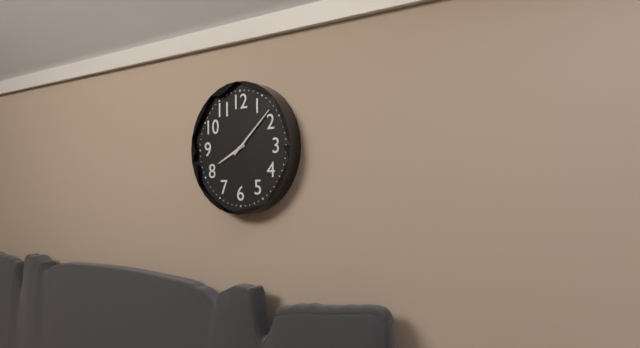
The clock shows **8:08**
